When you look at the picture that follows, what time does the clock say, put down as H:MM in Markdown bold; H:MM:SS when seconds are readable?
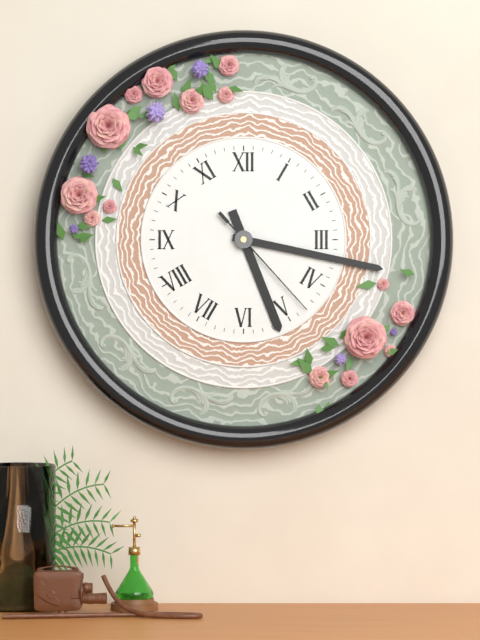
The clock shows **5:17:23**
